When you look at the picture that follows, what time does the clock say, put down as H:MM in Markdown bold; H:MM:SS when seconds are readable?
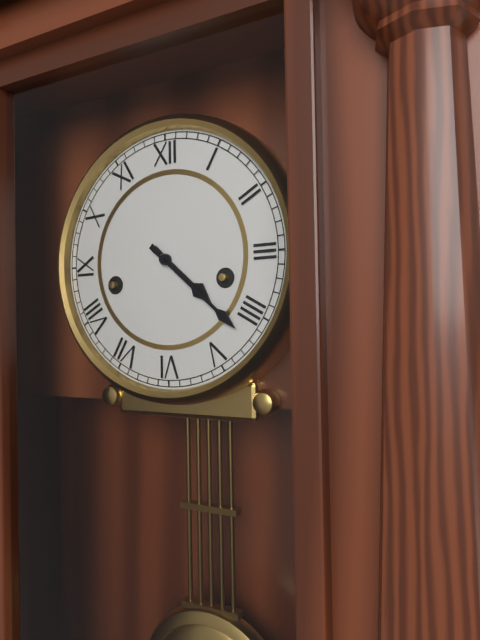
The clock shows **4:22**
